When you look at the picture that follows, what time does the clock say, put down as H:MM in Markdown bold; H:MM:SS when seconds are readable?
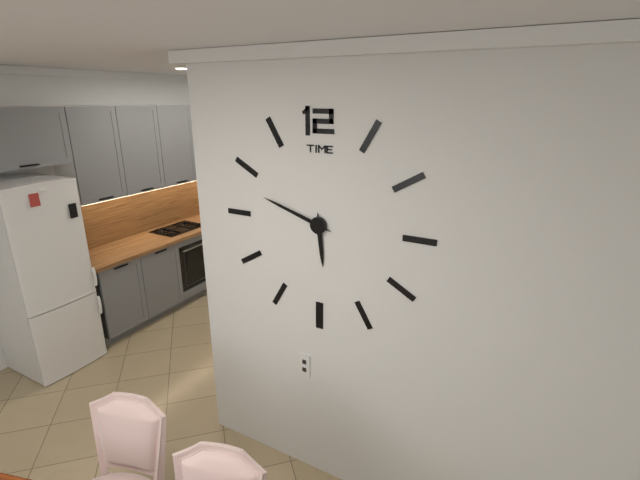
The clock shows **5:48**
